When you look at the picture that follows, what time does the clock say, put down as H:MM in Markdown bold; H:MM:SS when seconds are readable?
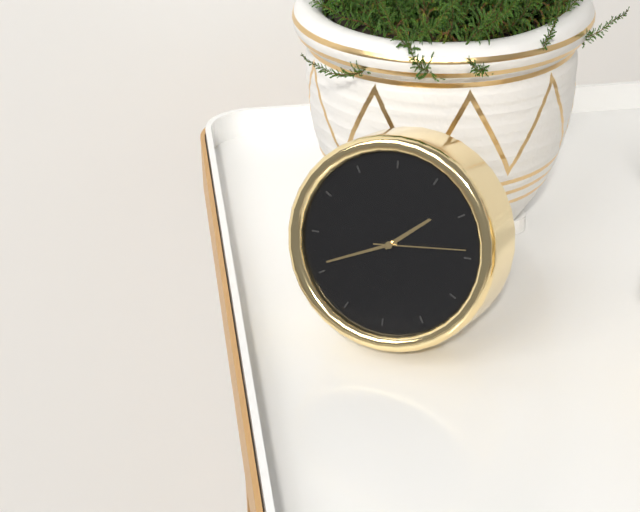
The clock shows **1:41:14**
